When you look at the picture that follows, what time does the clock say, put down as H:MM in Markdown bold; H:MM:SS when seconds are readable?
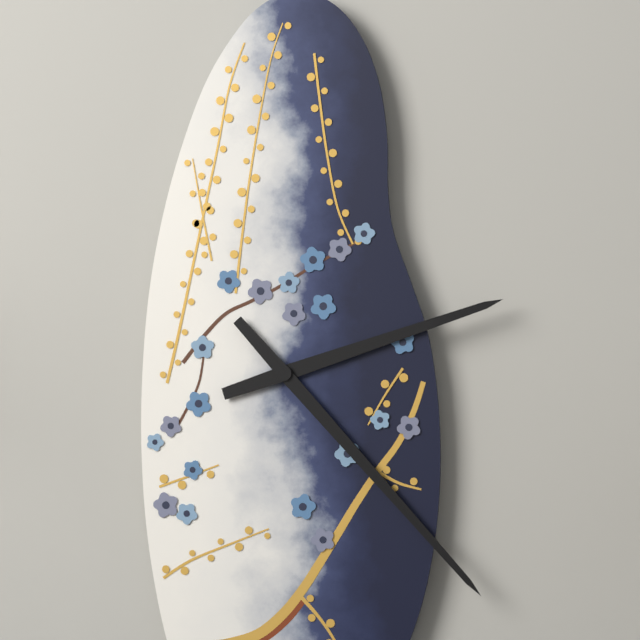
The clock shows **2:23**
